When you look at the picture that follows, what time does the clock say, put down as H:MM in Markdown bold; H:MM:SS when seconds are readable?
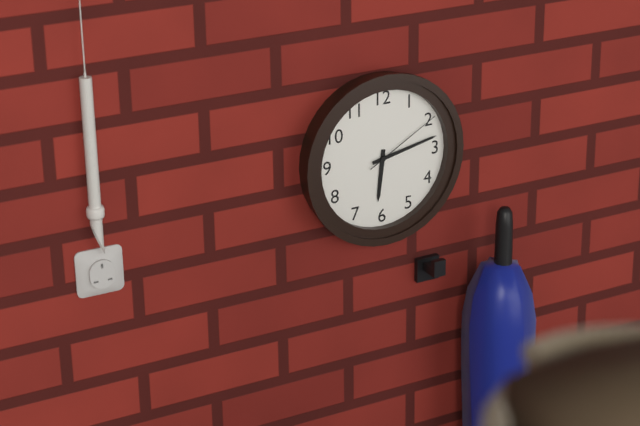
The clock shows **6:13:10**
